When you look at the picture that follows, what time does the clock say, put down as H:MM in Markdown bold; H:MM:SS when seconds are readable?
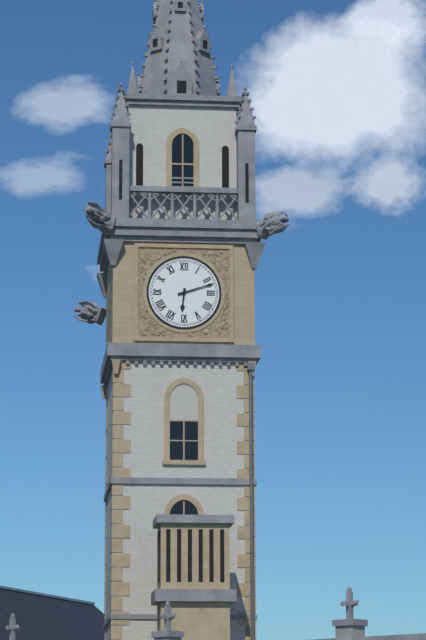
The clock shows **6:12**
